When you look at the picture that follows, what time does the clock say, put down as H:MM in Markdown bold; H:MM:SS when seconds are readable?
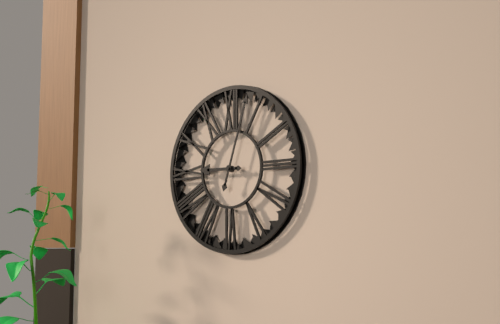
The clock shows **9:03**
